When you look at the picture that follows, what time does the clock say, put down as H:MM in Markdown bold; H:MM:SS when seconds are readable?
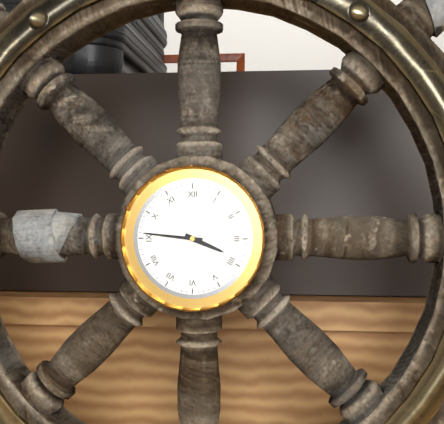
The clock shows **3:46**
